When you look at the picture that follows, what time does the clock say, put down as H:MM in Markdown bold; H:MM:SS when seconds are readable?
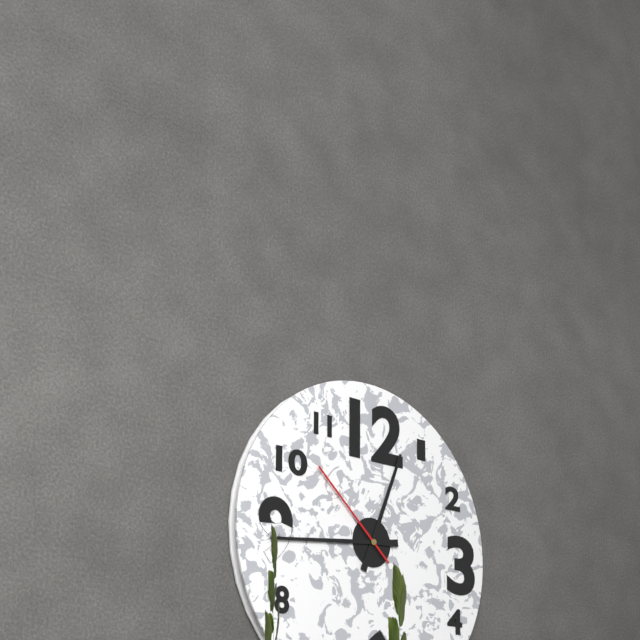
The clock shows **12:44:52**
